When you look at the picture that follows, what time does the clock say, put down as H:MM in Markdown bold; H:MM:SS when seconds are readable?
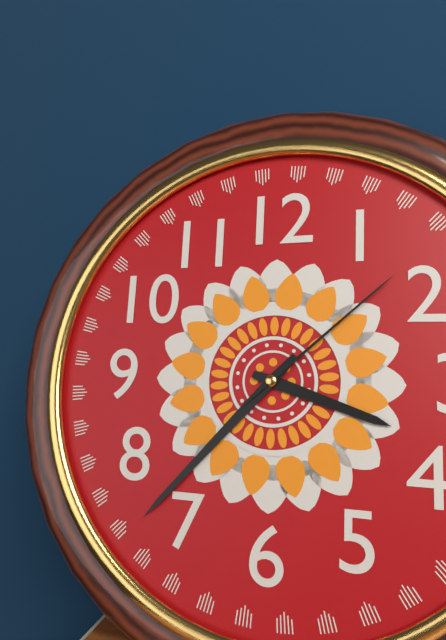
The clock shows **3:37:08**
